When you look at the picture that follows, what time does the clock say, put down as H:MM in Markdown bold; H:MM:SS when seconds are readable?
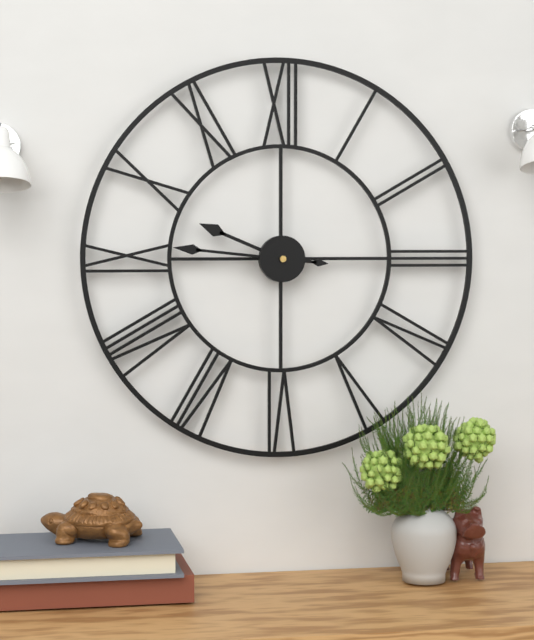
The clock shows **9:46**
